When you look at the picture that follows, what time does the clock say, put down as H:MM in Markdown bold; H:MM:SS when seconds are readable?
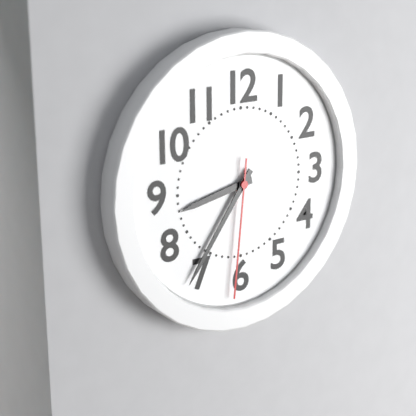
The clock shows **8:36:31**
